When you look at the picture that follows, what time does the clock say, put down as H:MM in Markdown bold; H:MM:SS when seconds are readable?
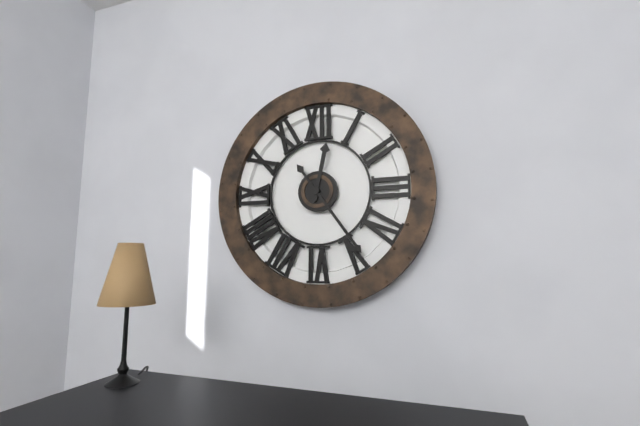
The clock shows **12:24**
